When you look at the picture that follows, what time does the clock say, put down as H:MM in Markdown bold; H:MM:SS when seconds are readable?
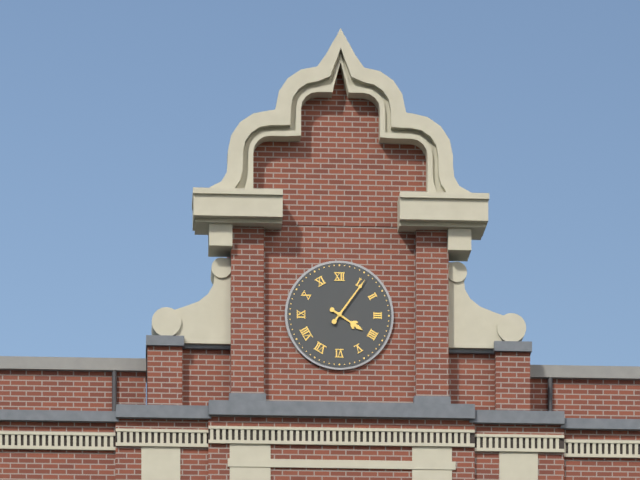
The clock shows **4:06**
